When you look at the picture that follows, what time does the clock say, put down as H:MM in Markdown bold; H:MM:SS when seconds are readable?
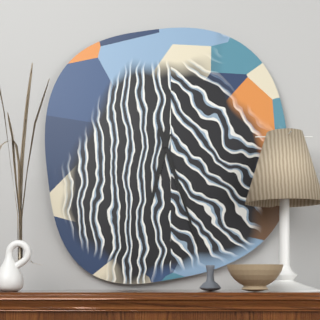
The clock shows **6:27**
